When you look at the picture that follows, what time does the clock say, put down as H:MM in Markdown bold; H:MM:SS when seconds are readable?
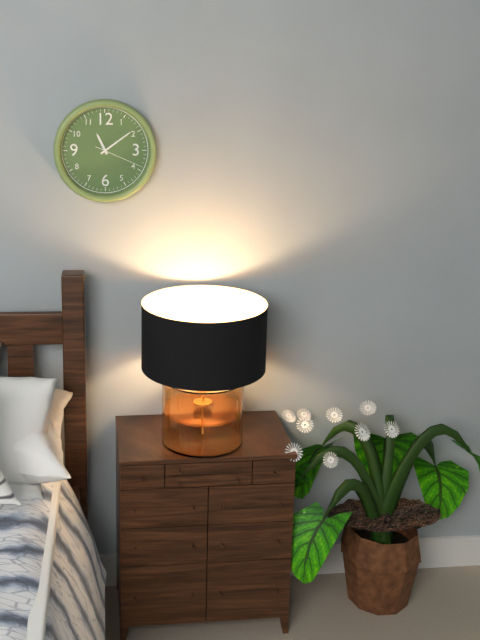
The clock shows **11:09**
